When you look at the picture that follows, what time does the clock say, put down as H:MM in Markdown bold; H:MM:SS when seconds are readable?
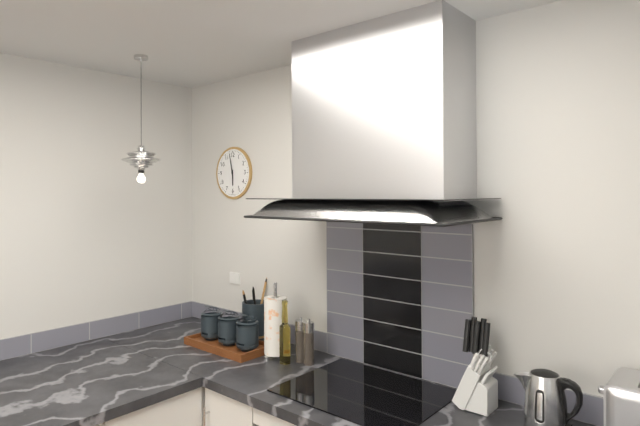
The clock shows **5:58**
